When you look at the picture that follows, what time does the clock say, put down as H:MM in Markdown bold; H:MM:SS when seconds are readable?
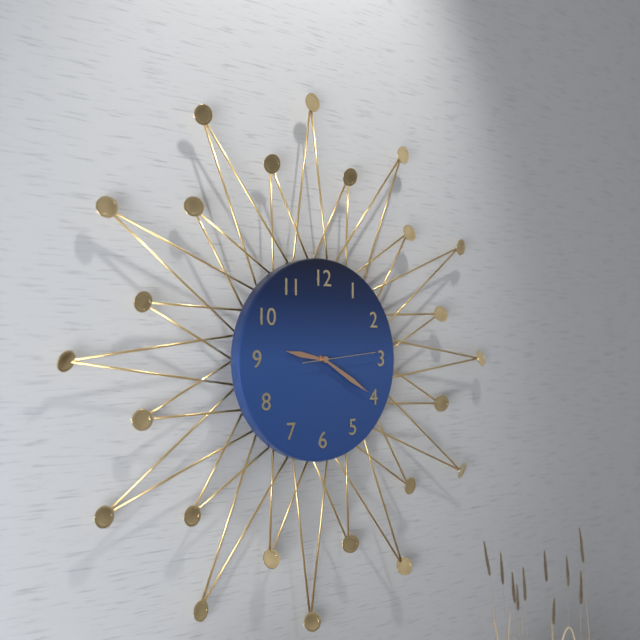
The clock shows **9:20:14**
